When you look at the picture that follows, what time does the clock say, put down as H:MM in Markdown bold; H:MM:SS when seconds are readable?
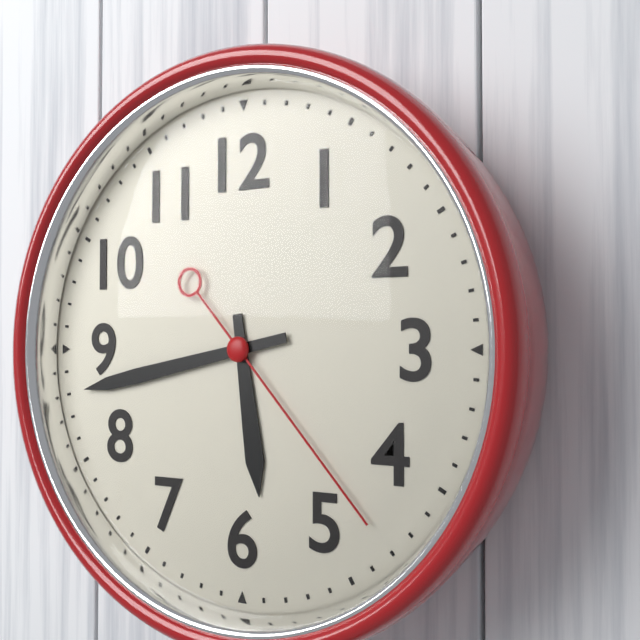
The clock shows **5:43:23**
